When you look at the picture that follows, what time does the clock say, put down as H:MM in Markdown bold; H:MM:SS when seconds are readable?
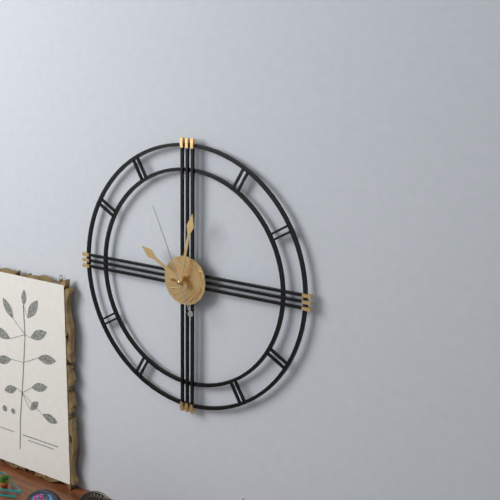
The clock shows **10:02:56**
